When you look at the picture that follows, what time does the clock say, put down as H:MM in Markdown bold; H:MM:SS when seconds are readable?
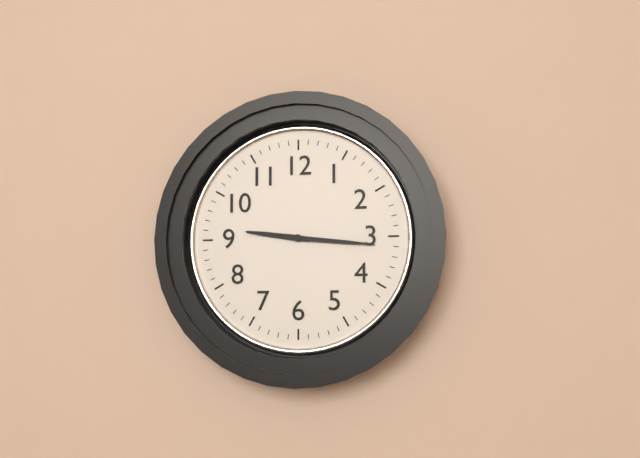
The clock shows **9:16**
